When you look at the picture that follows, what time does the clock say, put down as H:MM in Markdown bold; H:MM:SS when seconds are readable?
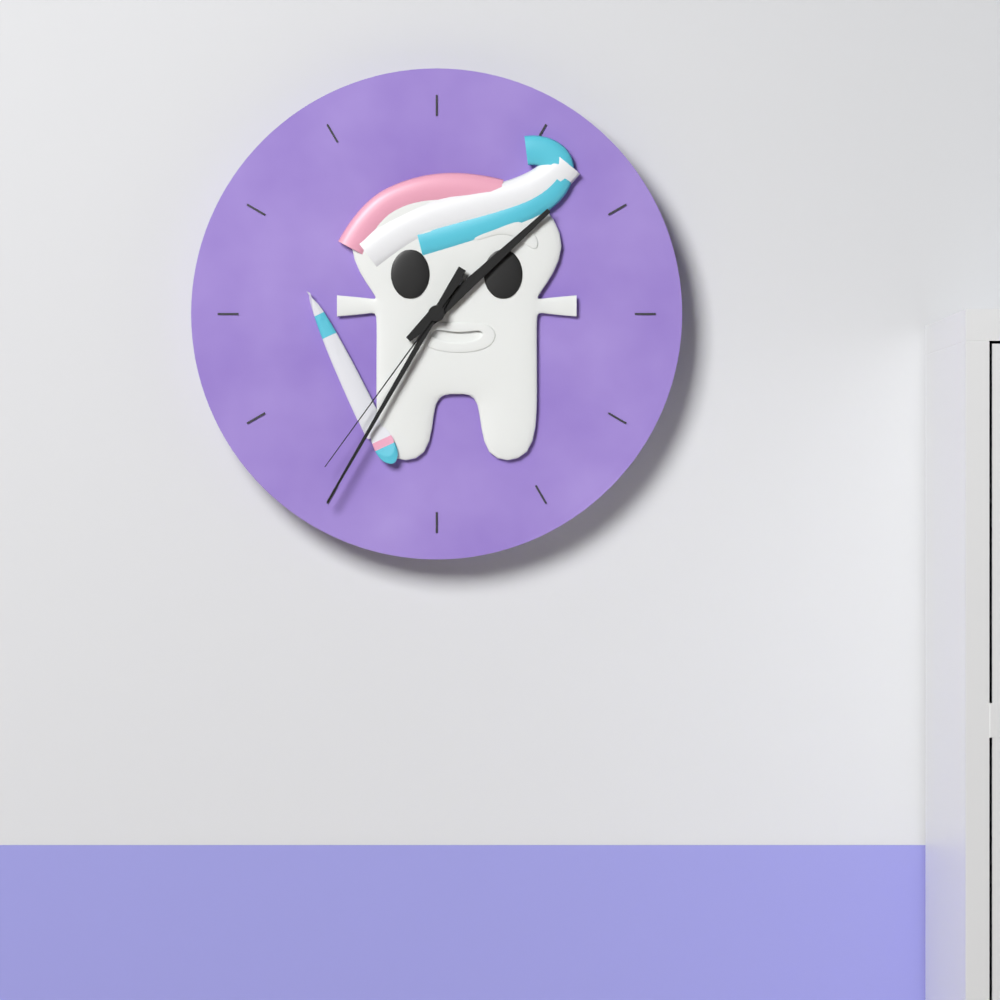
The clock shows **1:35:36**
